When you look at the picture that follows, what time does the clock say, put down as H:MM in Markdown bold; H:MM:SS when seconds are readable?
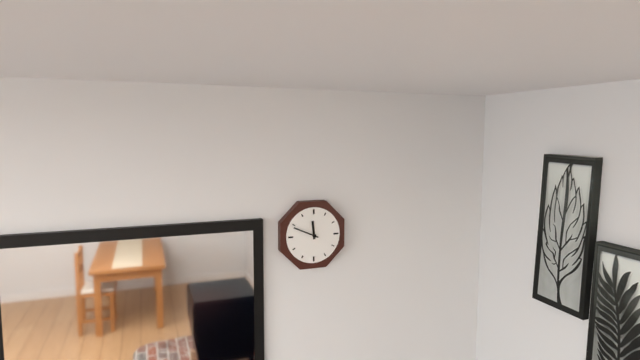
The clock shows **11:49**
